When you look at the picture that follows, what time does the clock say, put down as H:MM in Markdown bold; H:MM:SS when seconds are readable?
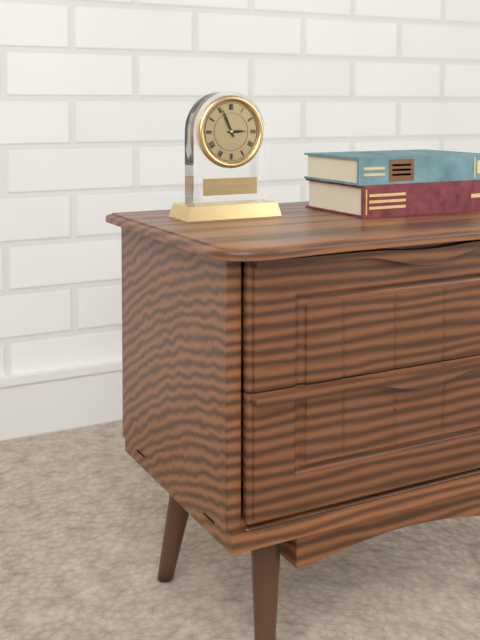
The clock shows **2:56**
